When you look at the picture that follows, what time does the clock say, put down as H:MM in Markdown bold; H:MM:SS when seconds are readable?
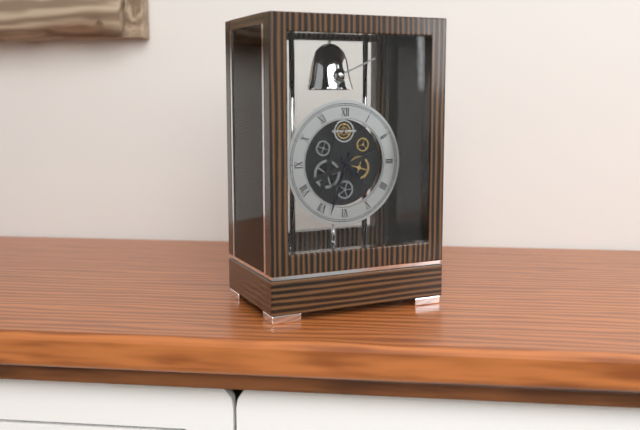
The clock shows **4:33**
